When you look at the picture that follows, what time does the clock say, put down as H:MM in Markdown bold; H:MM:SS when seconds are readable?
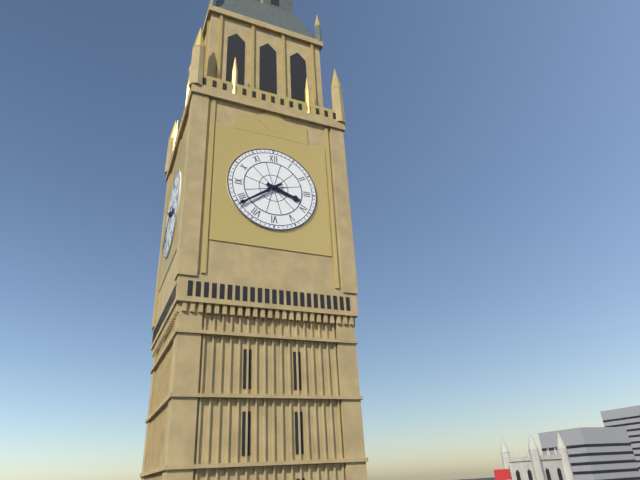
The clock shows **3:39**
